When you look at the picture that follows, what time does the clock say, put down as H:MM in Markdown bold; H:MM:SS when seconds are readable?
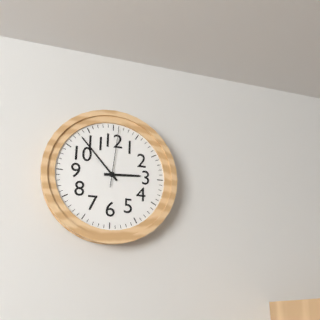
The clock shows **2:53:01**
